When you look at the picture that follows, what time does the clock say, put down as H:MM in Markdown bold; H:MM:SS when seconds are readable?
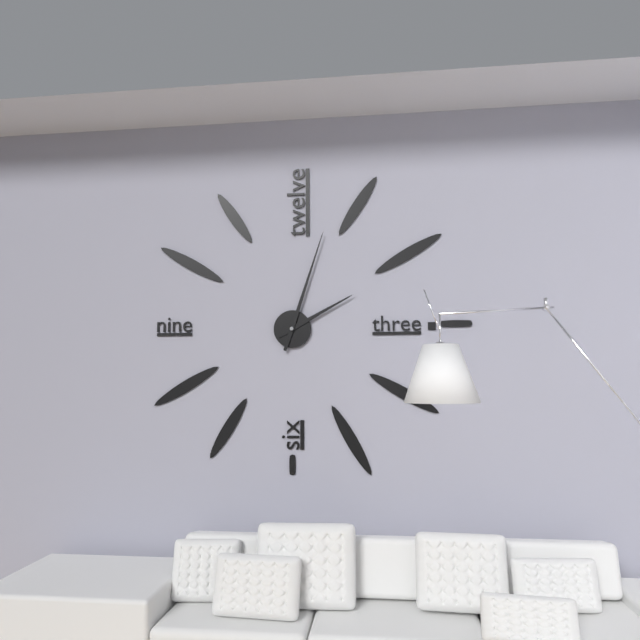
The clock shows **2:03**
